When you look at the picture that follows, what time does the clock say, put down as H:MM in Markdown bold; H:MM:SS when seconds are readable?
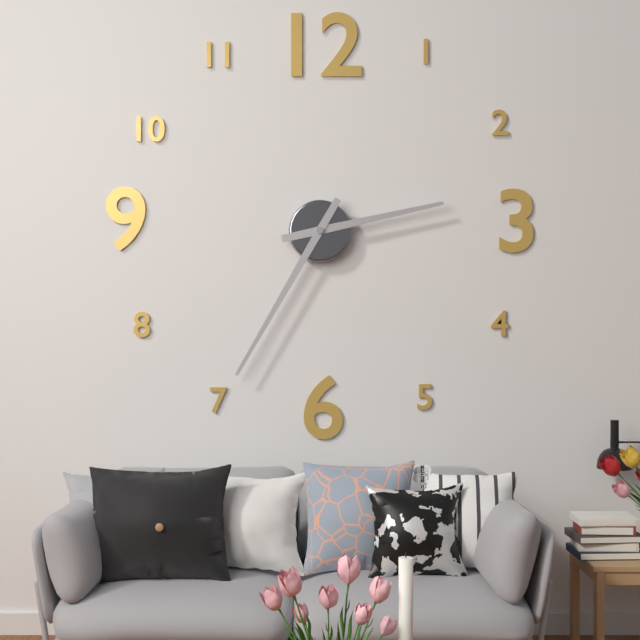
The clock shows **2:35**
